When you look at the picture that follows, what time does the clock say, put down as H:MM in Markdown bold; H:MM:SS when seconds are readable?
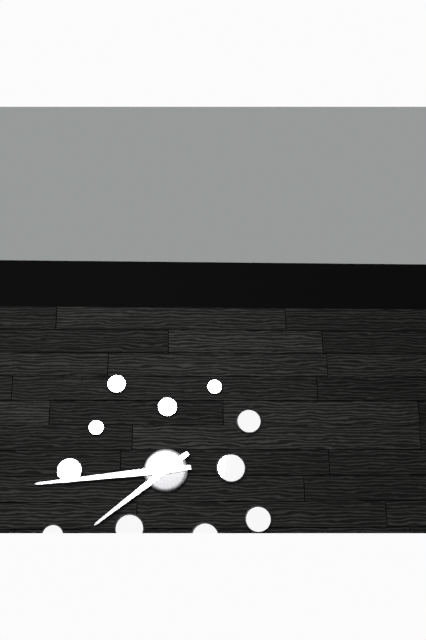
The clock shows **7:44**
